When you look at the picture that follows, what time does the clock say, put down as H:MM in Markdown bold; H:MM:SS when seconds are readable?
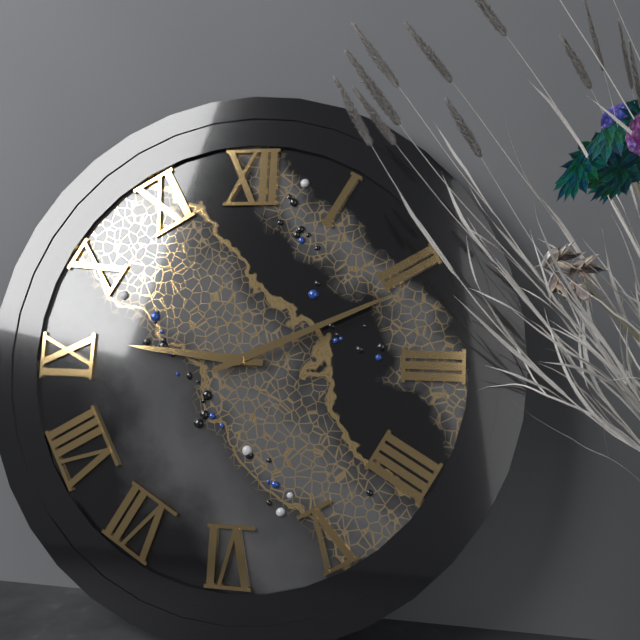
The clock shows **9:11**
